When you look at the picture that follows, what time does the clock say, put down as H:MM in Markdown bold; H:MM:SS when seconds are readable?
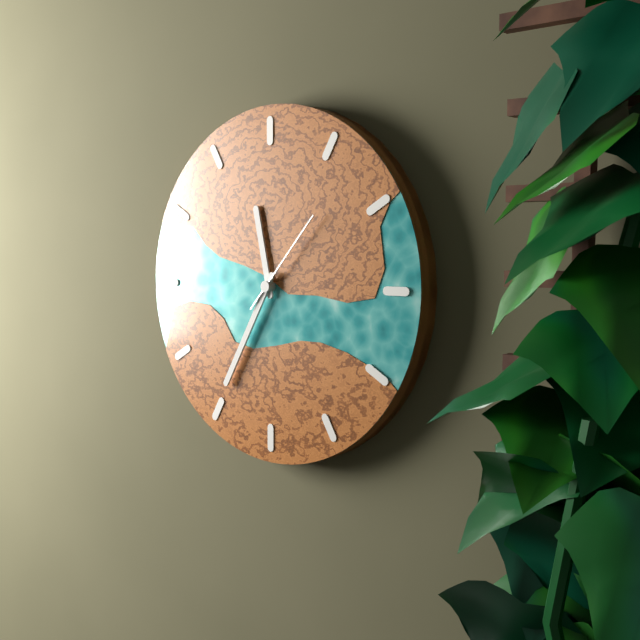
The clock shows **11:35:07**
